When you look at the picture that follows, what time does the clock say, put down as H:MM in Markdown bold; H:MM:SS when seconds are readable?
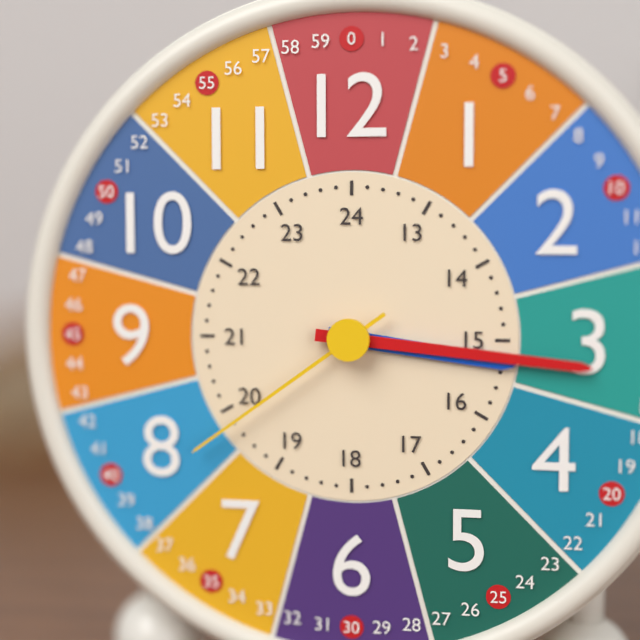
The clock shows **3:16:39**
